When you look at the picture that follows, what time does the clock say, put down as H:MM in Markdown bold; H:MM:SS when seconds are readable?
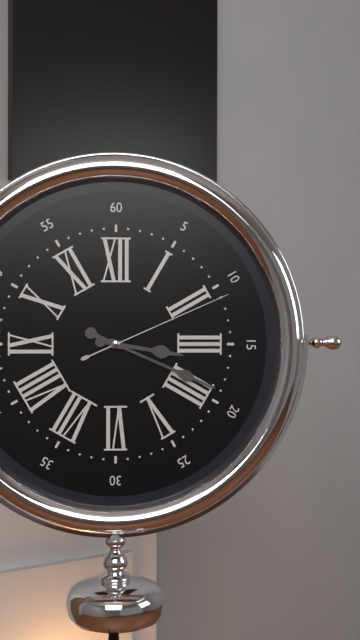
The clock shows **3:19:11**
